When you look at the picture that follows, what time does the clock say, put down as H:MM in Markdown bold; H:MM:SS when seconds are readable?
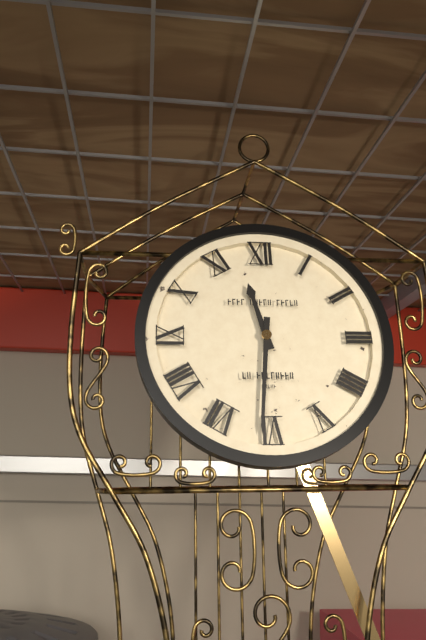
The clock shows **11:31**
